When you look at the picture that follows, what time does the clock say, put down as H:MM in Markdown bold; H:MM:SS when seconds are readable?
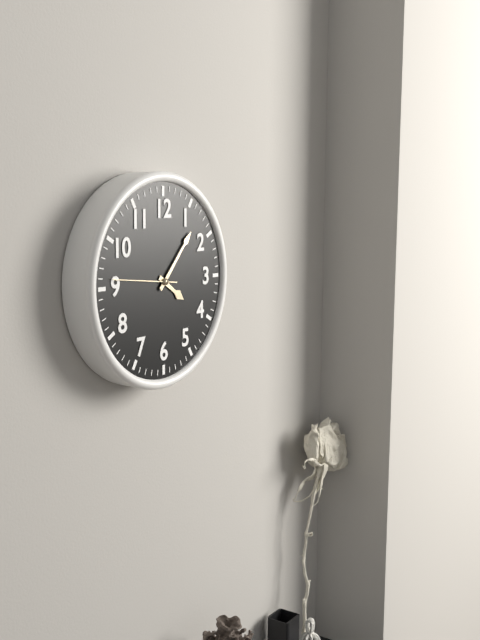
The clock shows **4:07:46**
